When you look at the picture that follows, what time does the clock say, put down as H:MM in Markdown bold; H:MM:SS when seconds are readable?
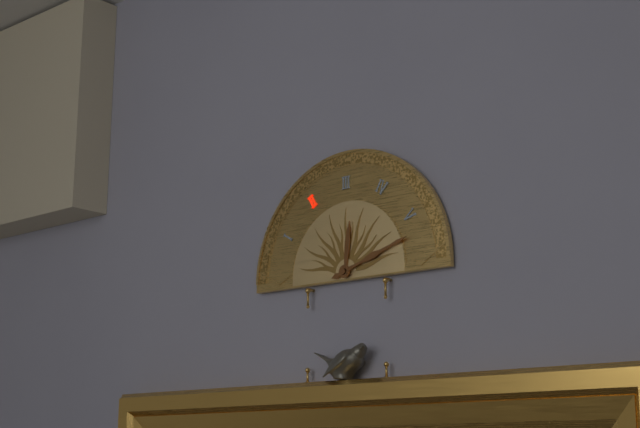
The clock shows **12:12**
